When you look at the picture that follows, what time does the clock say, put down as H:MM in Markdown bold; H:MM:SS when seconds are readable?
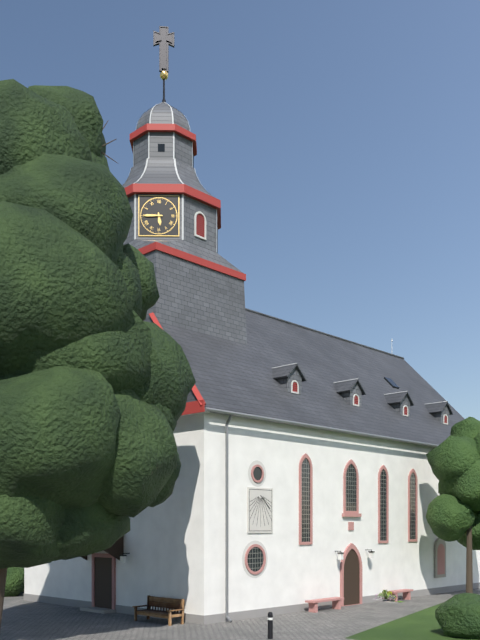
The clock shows **5:45**
